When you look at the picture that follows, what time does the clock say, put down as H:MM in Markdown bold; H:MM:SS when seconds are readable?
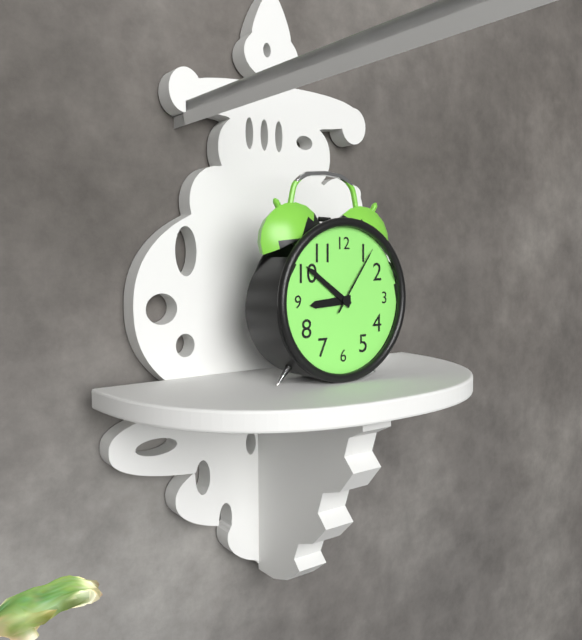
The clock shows **8:51:06**
